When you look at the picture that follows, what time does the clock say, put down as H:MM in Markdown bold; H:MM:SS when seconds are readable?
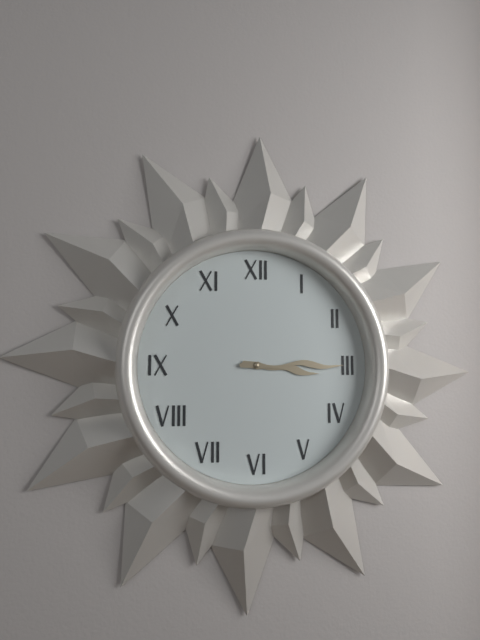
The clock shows **3:15**
